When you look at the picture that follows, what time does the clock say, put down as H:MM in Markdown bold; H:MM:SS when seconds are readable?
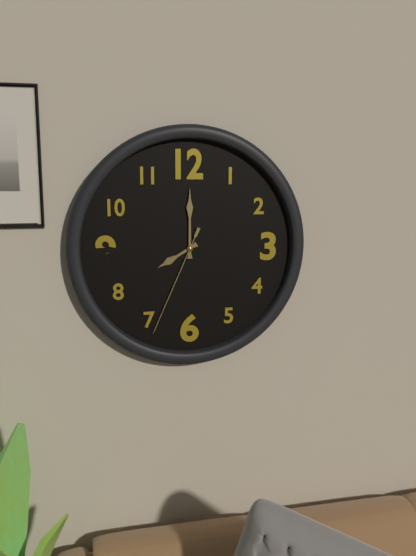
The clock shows **8:00:34**
